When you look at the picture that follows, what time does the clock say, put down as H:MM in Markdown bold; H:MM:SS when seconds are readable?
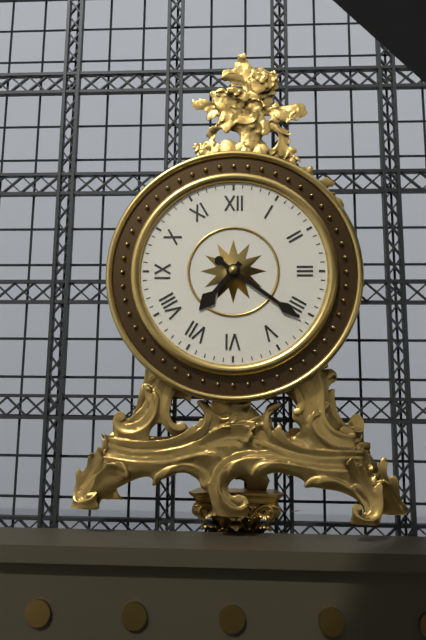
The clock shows **7:21**
